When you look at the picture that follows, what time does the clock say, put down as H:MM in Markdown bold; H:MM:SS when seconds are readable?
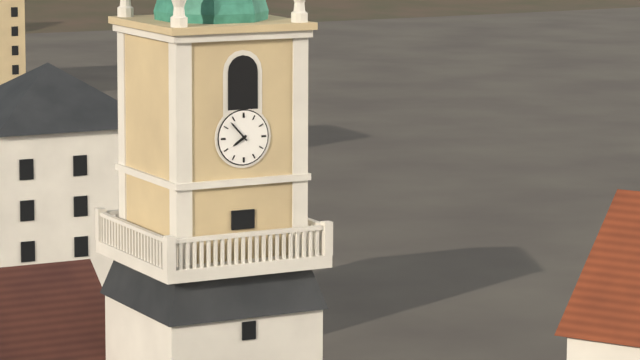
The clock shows **7:53**
